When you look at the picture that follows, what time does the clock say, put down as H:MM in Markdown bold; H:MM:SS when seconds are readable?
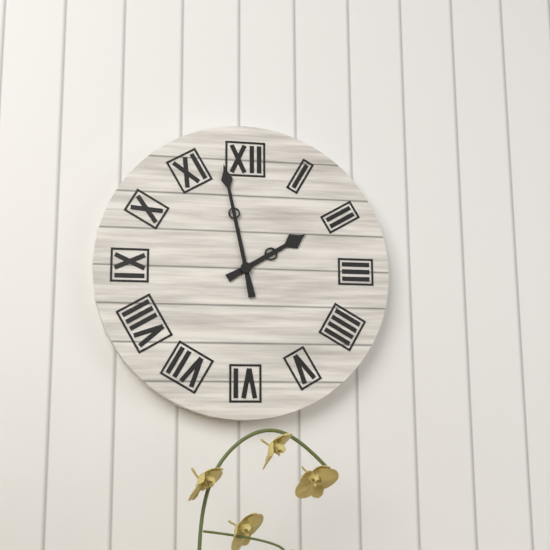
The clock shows **1:58**
